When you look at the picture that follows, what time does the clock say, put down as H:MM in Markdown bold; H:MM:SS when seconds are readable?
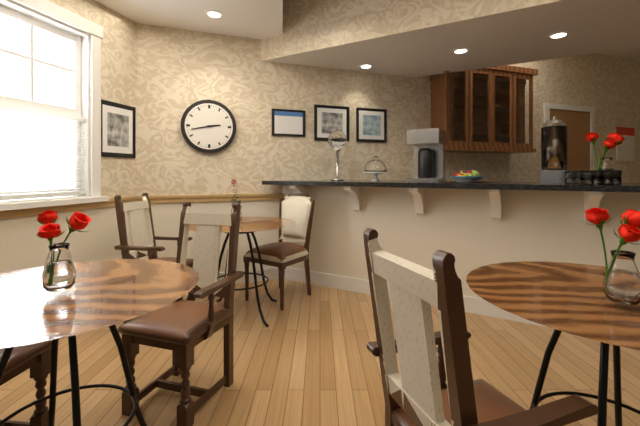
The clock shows **2:43**
